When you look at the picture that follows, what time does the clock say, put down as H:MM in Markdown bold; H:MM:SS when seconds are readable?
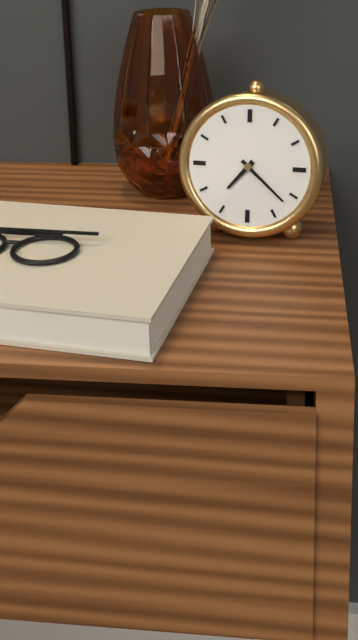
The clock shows **7:22**
